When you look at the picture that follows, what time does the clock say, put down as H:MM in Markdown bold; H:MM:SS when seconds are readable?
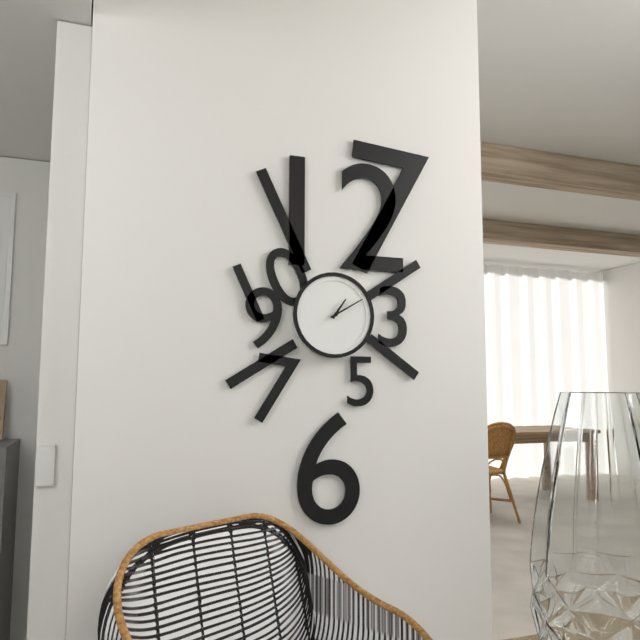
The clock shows **1:10**
